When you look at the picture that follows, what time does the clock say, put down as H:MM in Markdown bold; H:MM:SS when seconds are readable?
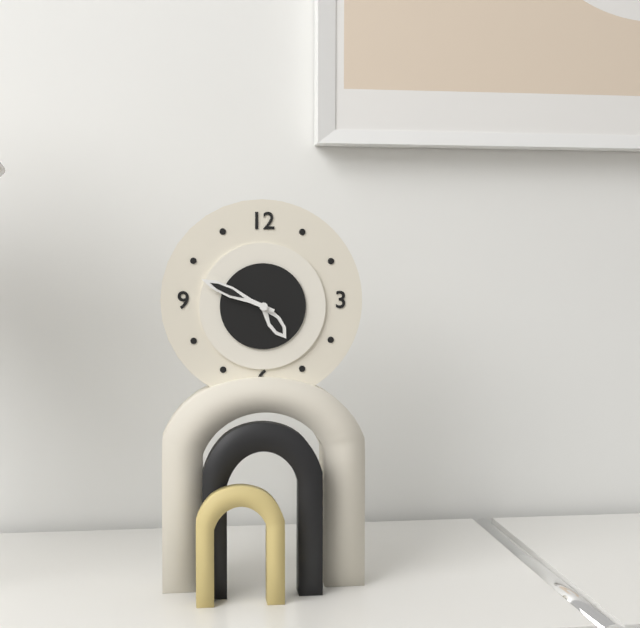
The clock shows **4:49**
